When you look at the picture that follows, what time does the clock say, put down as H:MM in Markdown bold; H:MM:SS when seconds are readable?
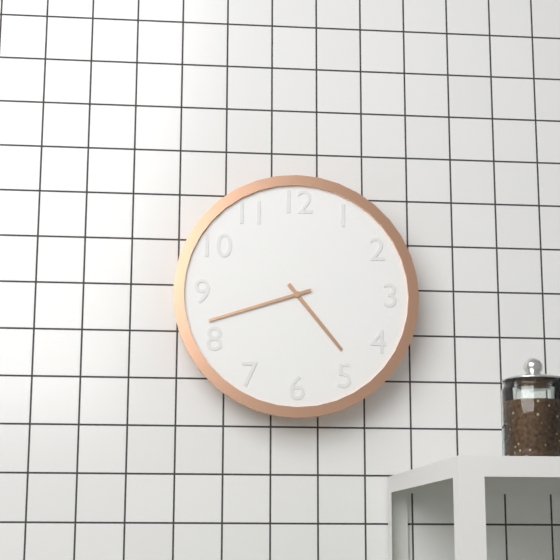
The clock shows **4:42**
